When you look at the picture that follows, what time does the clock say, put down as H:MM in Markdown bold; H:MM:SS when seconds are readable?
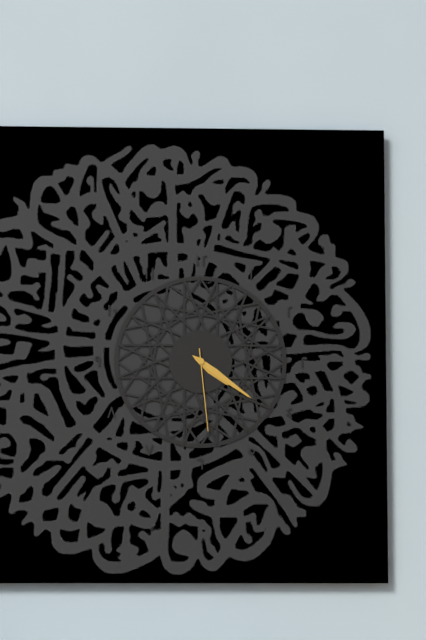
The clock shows **4:21:29**
